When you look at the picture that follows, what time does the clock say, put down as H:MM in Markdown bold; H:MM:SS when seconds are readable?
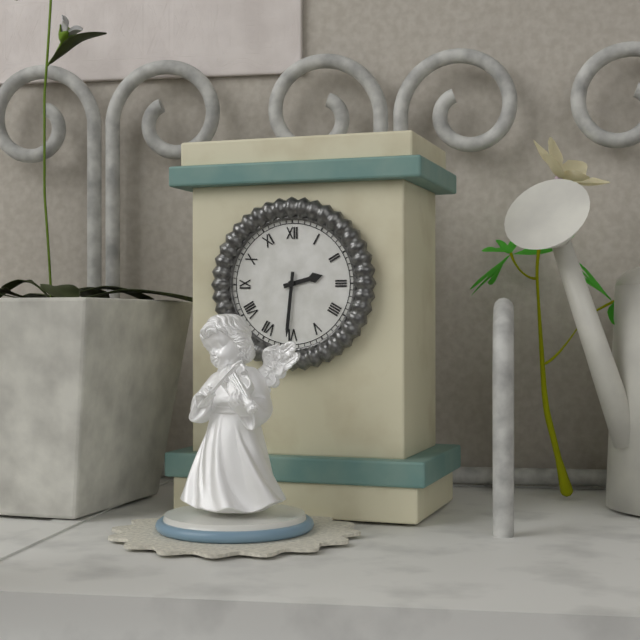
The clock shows **2:31**
